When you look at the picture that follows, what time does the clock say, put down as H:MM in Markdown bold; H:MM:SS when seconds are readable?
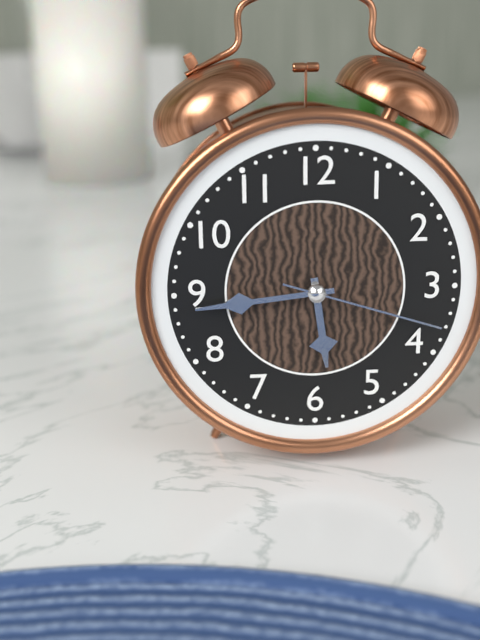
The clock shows **5:44:18**
